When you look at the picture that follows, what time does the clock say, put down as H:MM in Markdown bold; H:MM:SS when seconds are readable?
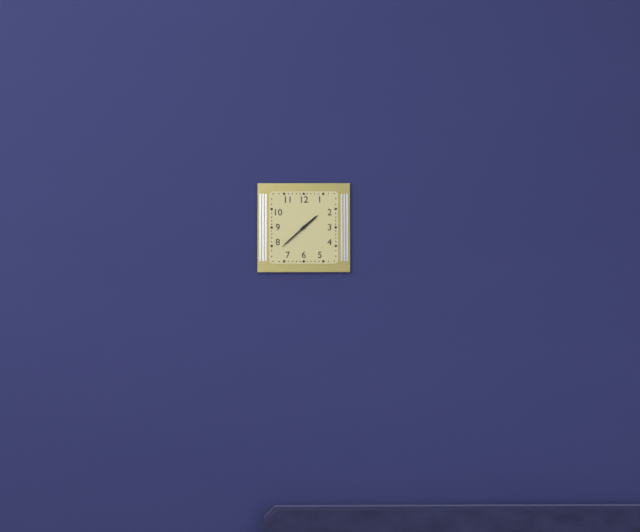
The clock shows **1:38**
